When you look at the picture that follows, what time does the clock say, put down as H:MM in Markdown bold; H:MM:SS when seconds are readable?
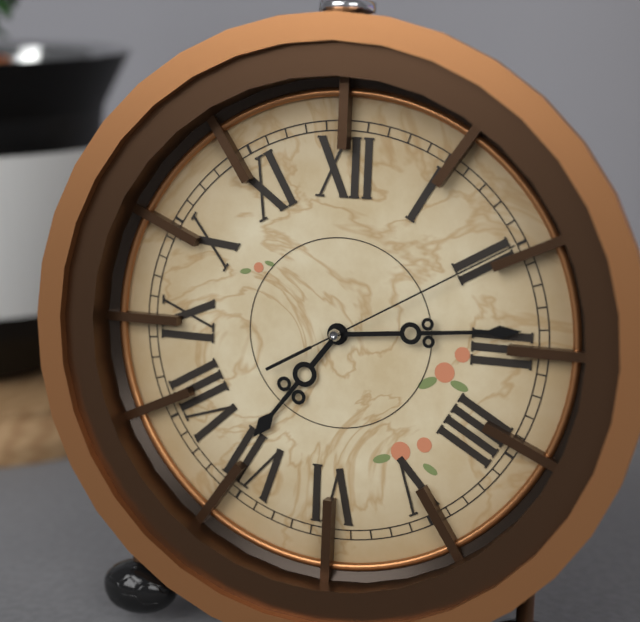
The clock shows **7:14:10**
